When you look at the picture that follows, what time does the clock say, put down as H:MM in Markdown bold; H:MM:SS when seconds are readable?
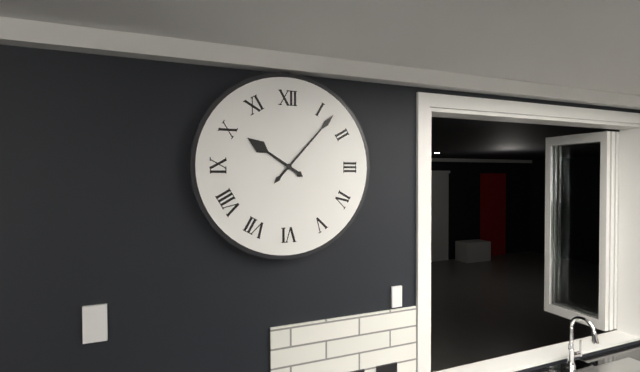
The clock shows **10:07**
